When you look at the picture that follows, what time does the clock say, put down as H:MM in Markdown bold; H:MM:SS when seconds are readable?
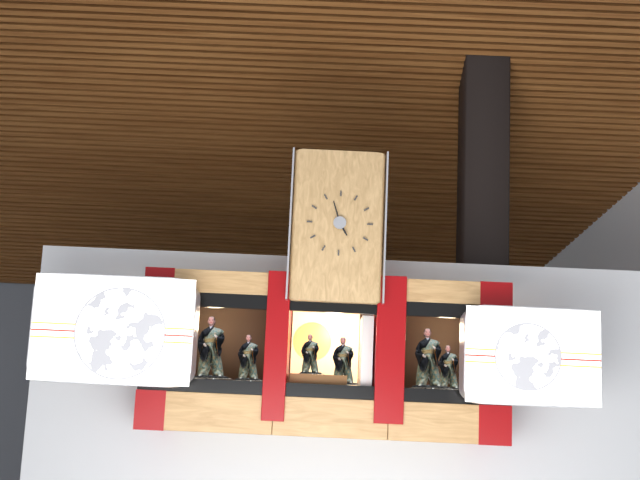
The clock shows **4:57**
